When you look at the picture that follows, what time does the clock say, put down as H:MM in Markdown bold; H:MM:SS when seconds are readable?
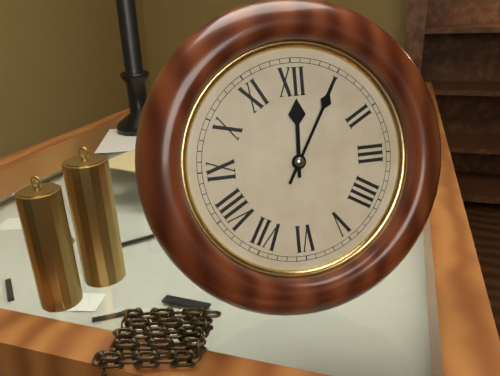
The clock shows **12:05**
